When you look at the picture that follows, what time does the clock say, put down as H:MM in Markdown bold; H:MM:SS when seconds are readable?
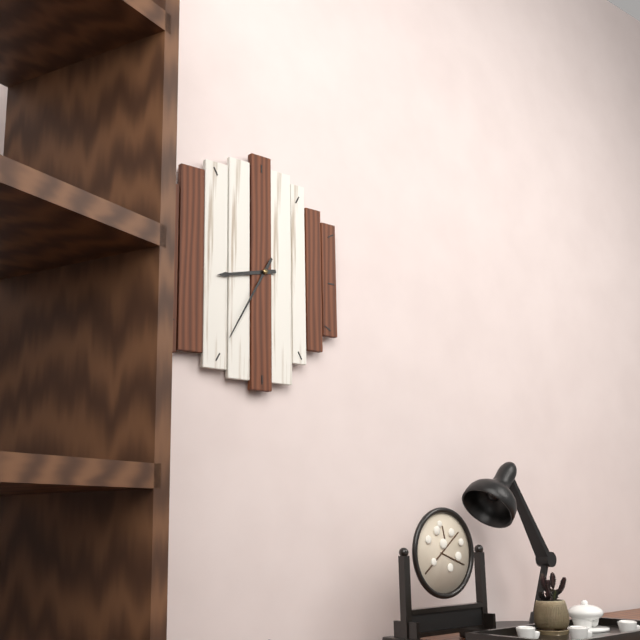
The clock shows **8:35**
